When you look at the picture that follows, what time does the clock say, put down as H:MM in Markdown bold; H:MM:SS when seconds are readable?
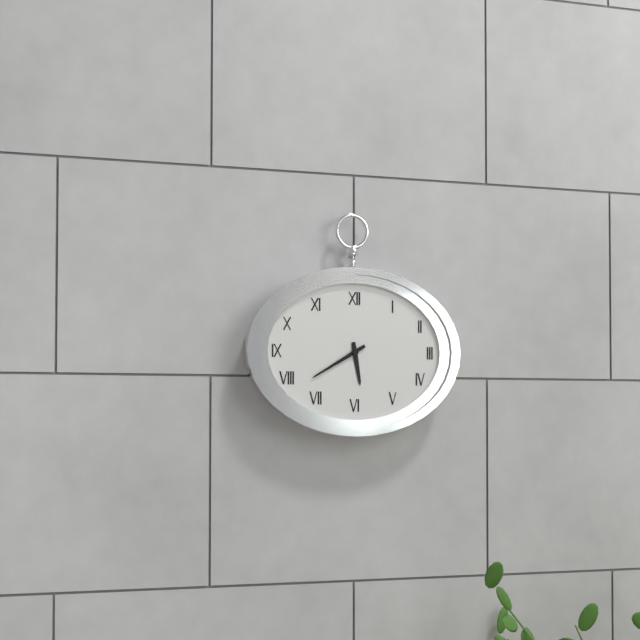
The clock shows **5:40**
